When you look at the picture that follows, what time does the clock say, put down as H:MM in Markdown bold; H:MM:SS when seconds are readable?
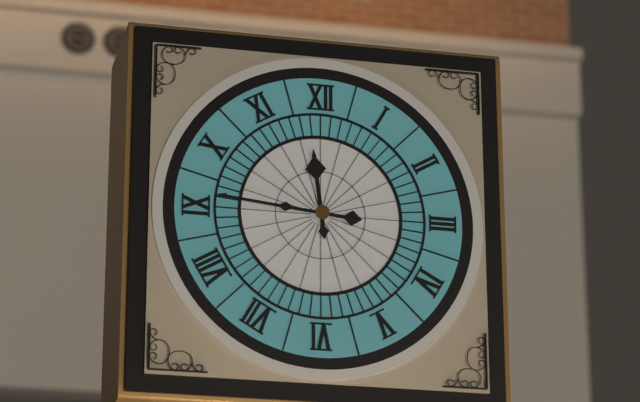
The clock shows **11:46**
